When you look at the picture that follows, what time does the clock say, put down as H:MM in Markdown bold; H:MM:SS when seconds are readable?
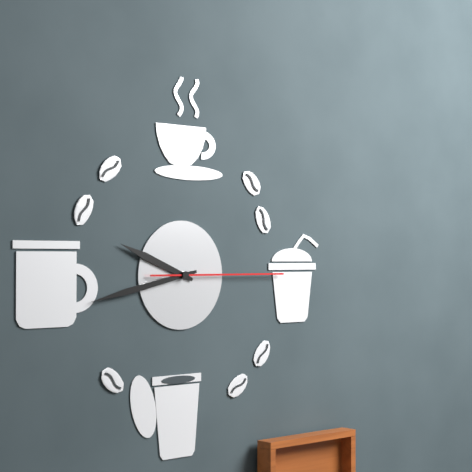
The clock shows **9:43:15**
